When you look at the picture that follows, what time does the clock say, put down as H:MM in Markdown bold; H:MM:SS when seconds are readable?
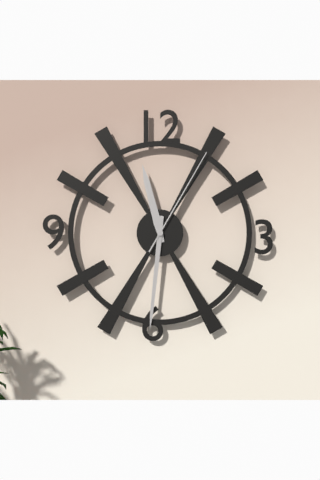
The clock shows **11:31:05**
